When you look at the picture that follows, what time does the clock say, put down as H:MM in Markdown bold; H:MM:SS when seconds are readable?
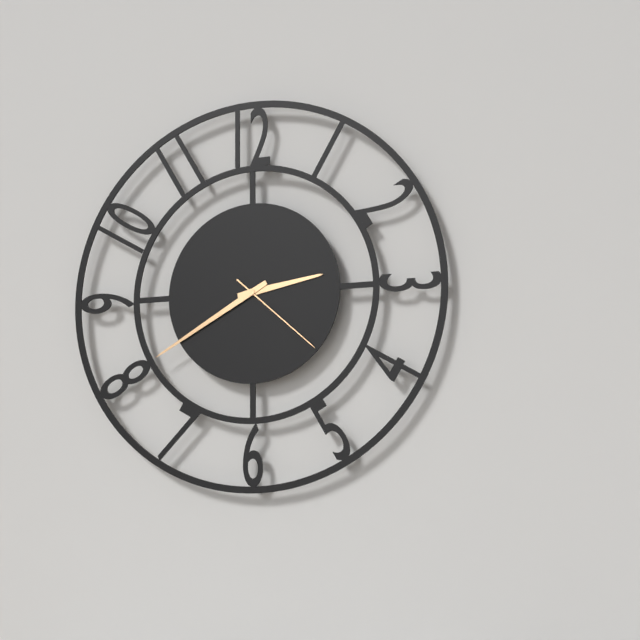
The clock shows **2:40:22**
